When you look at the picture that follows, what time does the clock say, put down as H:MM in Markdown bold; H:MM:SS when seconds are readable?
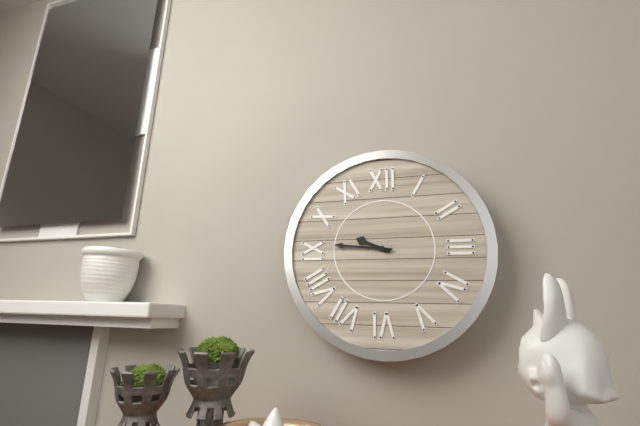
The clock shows **9:46**
